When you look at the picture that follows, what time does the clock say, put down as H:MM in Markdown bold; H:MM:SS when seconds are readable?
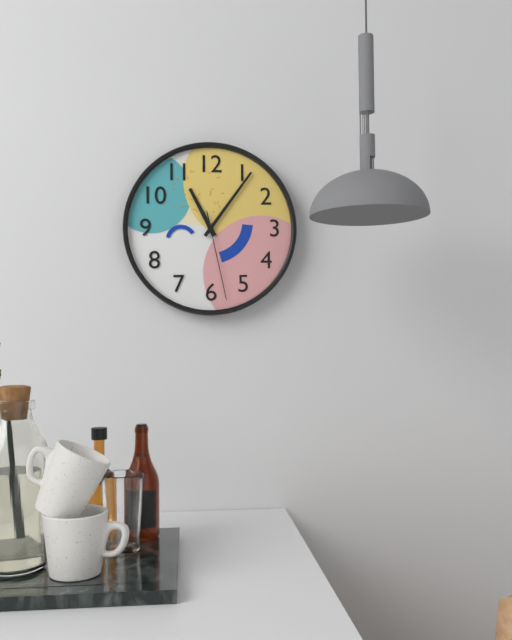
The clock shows **11:06:28**
